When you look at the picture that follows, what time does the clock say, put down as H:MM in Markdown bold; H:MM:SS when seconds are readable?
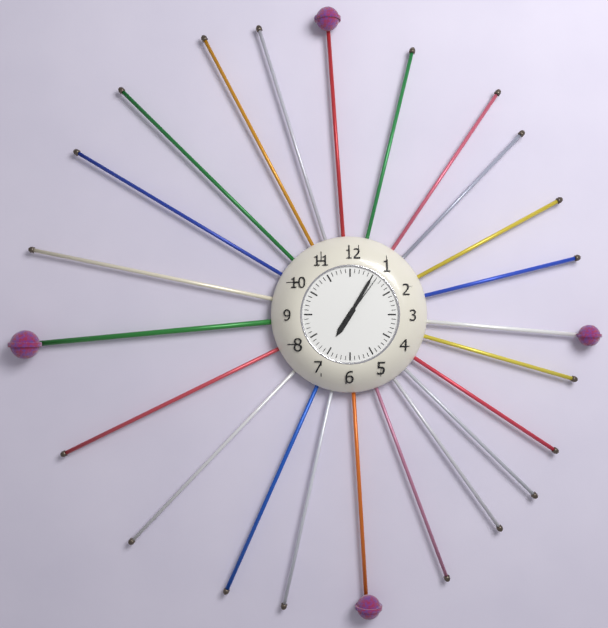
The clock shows **7:05:06**
